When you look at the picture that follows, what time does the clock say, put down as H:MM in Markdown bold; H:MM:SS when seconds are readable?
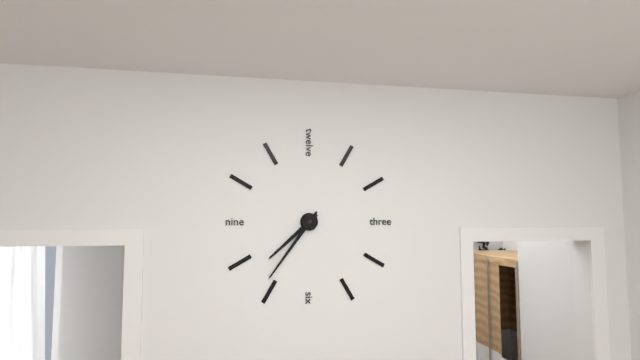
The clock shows **7:36**
